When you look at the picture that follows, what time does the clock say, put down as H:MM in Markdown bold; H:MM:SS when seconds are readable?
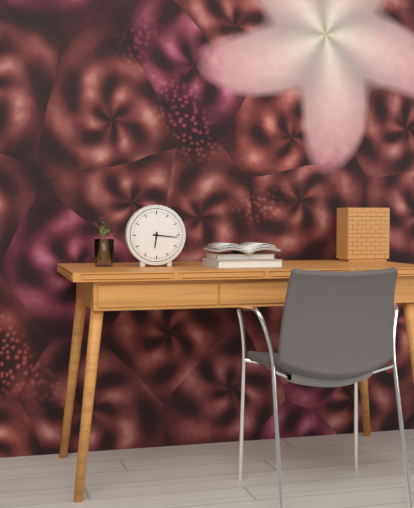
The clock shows **6:16**
